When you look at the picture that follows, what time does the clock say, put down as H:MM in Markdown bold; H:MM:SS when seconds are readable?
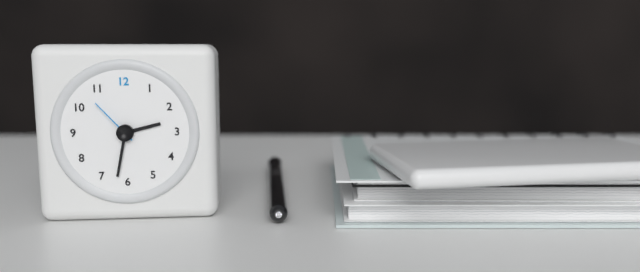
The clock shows **2:32:53**
